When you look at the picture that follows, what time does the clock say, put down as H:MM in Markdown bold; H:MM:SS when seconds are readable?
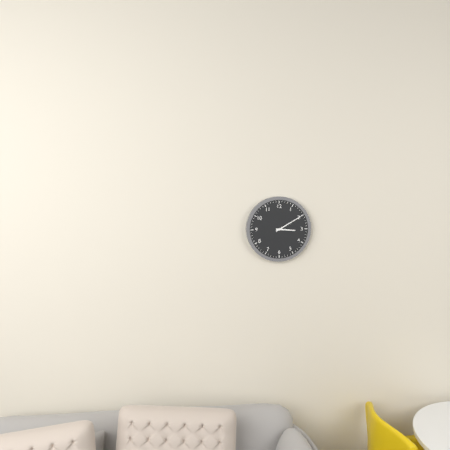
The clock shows **3:10**
